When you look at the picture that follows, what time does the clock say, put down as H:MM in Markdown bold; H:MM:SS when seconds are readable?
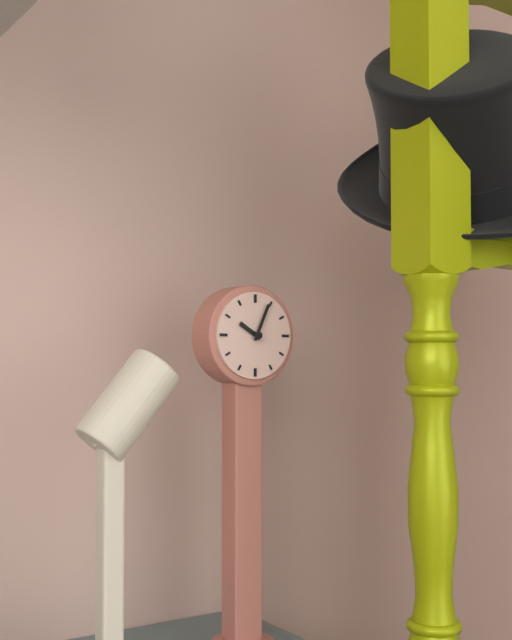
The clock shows **10:04**
